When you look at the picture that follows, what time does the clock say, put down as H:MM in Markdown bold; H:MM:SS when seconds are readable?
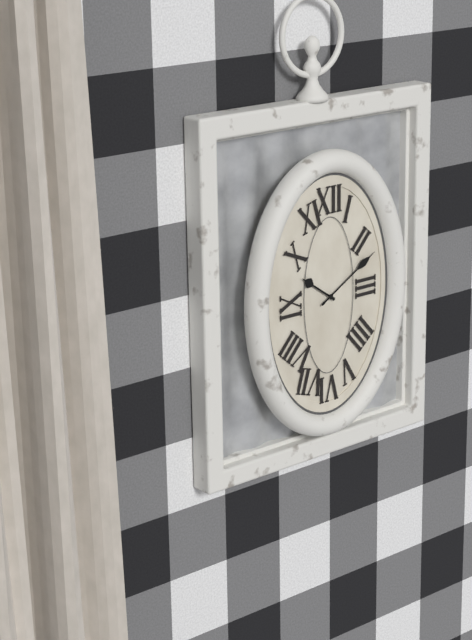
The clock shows **10:10**
